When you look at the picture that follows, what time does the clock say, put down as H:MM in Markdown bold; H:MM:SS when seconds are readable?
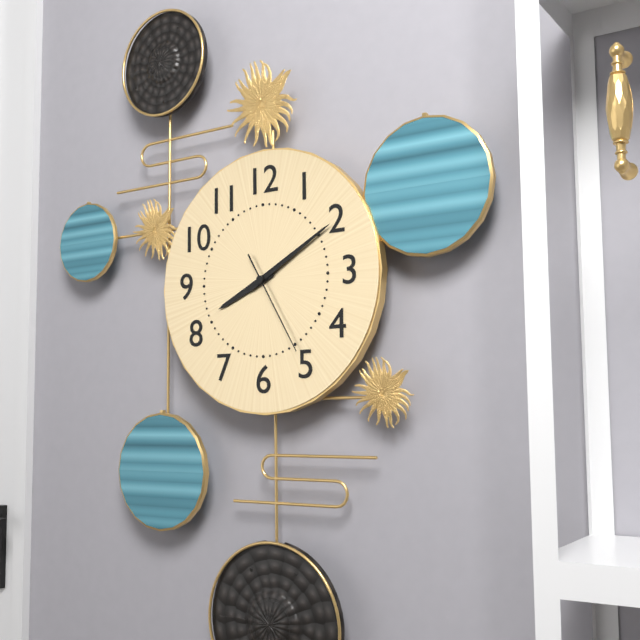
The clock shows **8:10:25**
